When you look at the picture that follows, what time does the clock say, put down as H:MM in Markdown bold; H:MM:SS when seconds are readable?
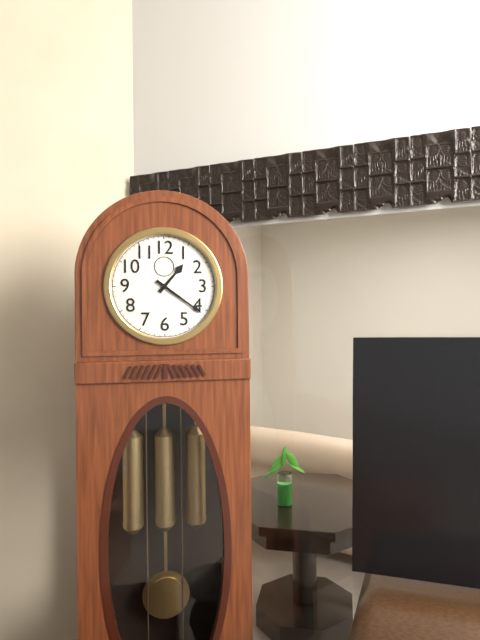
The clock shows **1:21**
